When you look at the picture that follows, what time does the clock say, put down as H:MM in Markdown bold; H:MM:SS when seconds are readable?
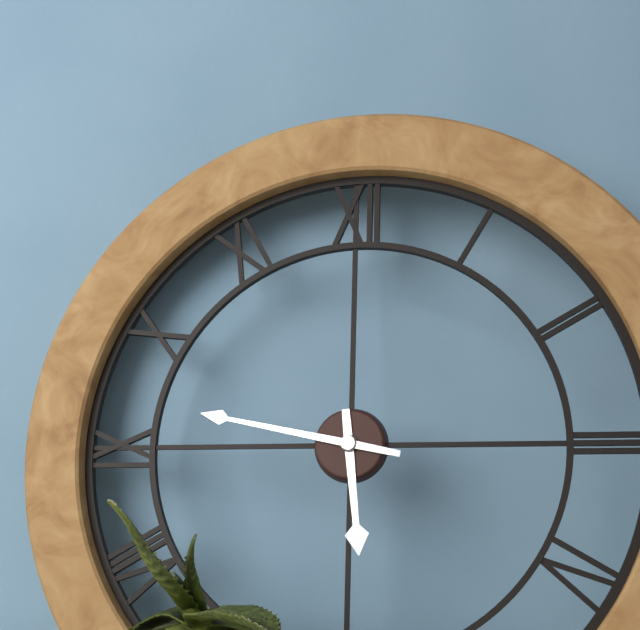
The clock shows **5:47**
